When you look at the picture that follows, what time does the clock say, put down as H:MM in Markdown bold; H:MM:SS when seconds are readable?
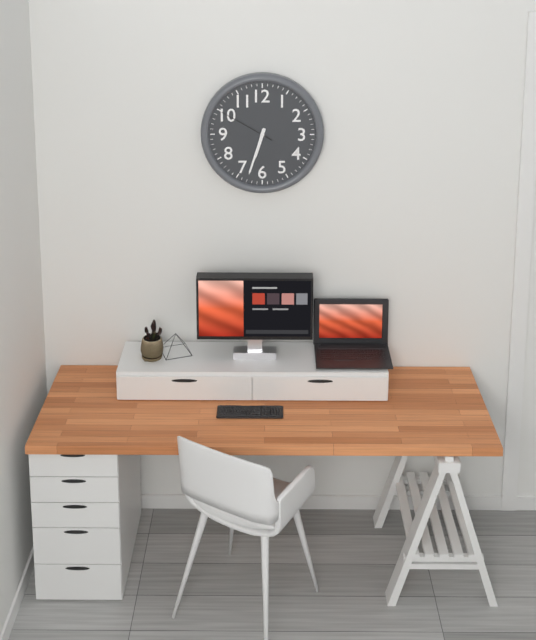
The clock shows **6:33:50**
